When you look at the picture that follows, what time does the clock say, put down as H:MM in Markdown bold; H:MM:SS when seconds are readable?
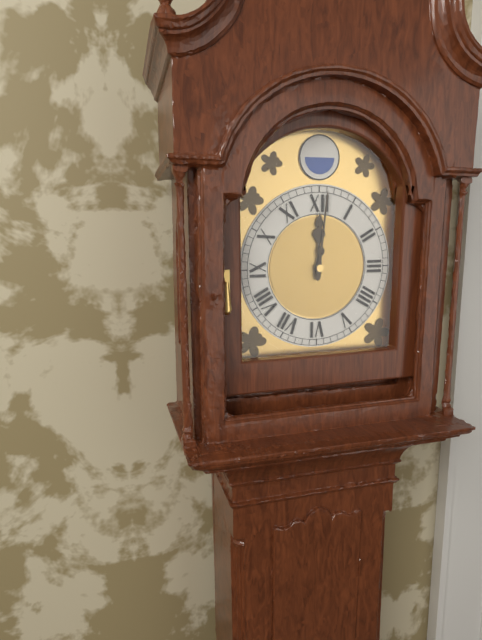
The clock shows **12:01**
